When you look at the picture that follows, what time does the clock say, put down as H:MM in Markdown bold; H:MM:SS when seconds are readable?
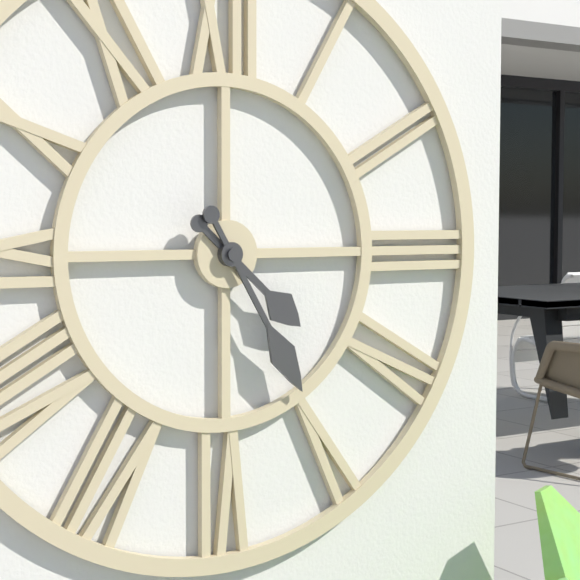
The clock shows **4:25**
